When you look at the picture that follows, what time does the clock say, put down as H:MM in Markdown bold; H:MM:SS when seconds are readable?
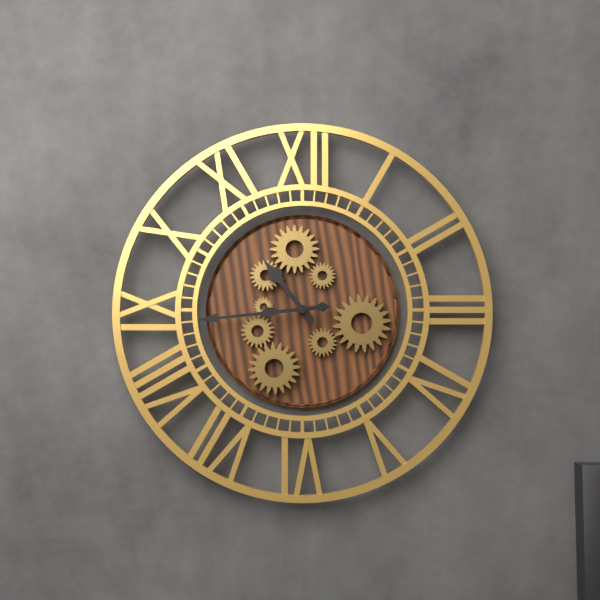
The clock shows **10:44**
